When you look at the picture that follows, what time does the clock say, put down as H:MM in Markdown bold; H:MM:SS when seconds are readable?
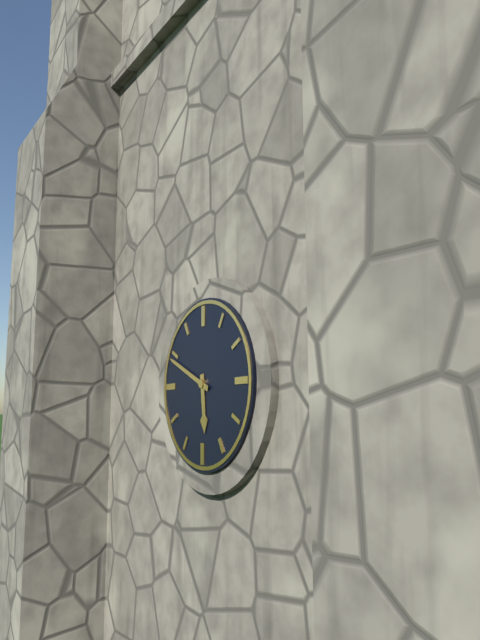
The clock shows **5:49**
